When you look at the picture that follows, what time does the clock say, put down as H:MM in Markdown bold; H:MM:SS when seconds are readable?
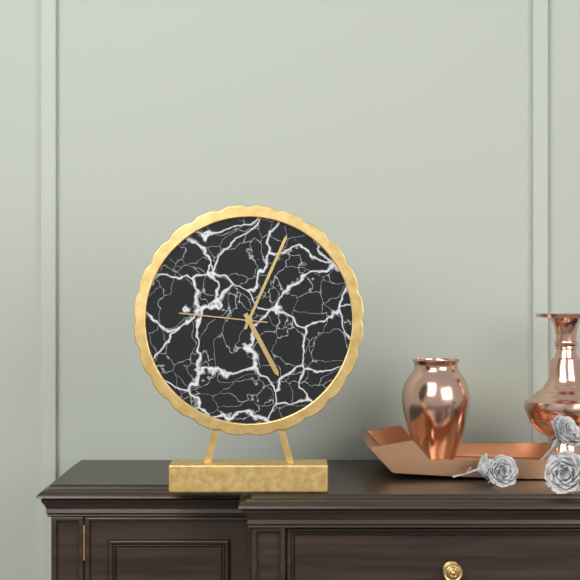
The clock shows **5:04:46**
